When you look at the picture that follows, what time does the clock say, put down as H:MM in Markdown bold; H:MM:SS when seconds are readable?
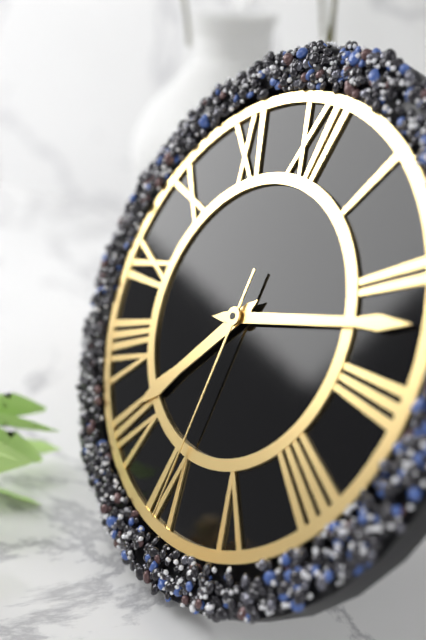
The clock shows **7:12:30**
